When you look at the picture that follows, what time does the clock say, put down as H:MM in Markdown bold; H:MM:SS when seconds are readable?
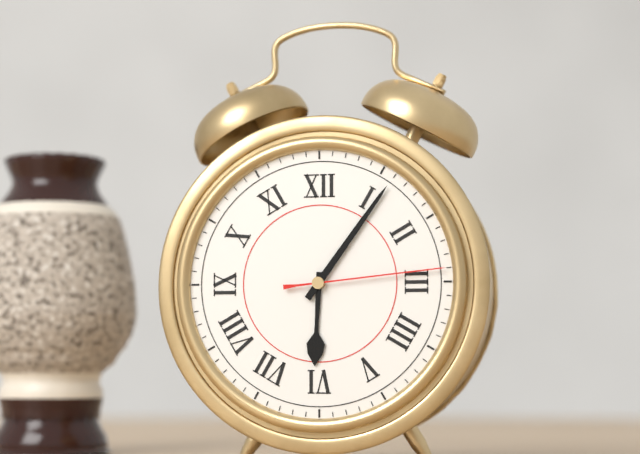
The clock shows **6:06:14**
